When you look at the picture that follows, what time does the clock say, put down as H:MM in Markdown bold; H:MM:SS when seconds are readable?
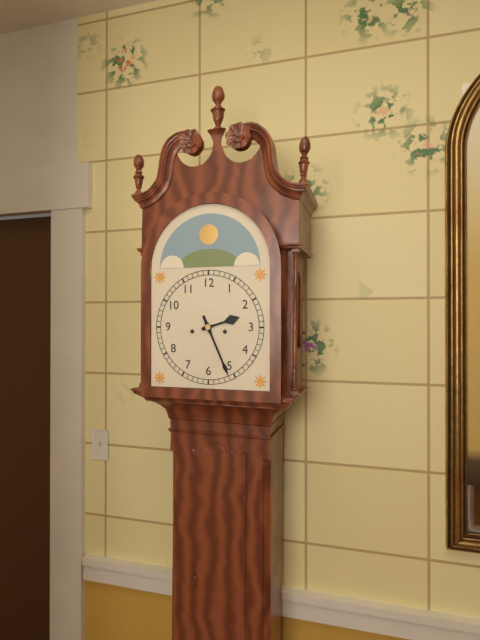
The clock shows **2:26**
